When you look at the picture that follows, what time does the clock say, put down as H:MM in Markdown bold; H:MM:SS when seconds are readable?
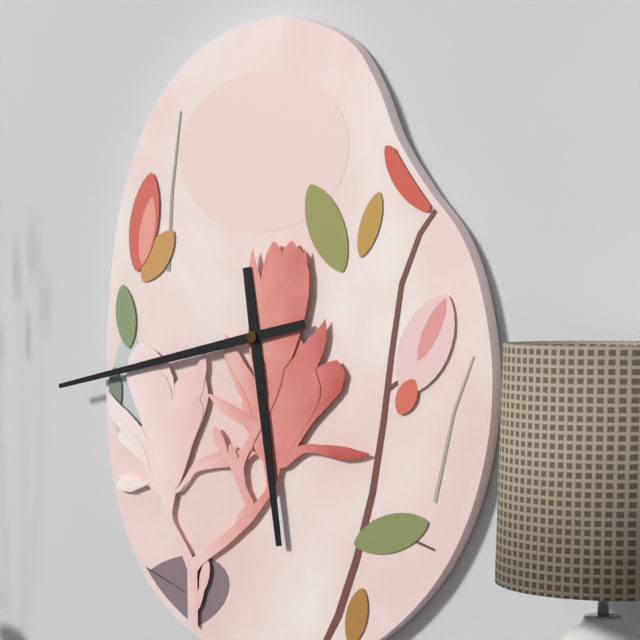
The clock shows **5:43**
